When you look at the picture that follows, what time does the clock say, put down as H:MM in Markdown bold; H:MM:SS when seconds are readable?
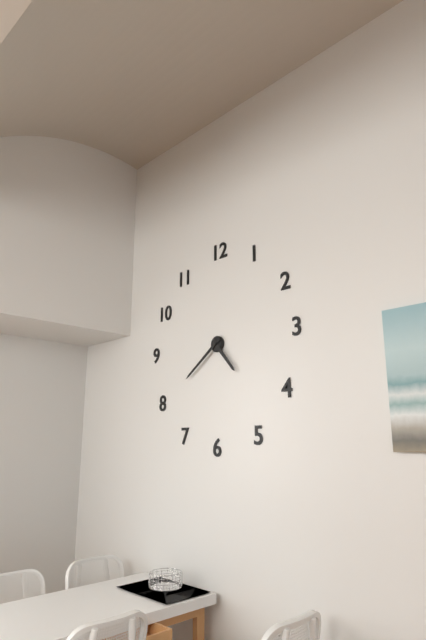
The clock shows **4:39**
